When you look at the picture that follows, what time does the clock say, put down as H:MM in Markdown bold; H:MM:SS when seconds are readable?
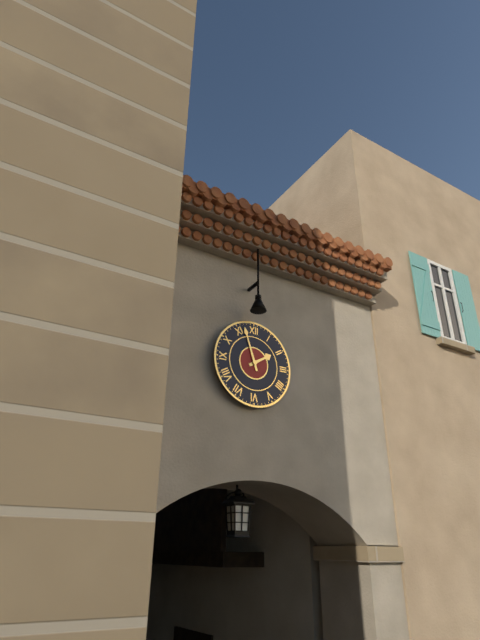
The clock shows **1:57**
